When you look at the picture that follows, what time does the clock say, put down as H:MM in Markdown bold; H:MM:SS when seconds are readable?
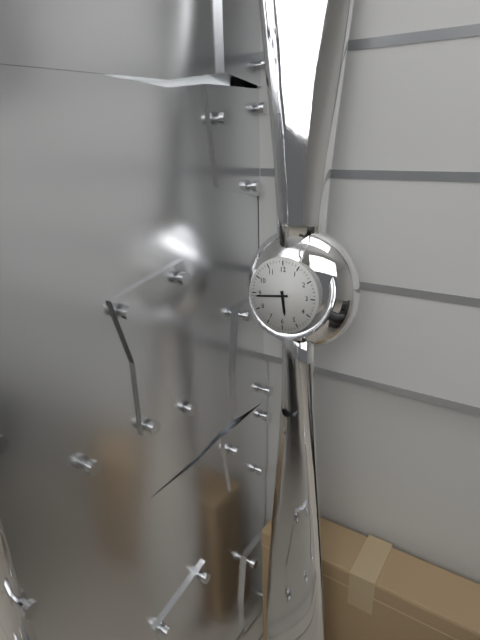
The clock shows **5:44**
